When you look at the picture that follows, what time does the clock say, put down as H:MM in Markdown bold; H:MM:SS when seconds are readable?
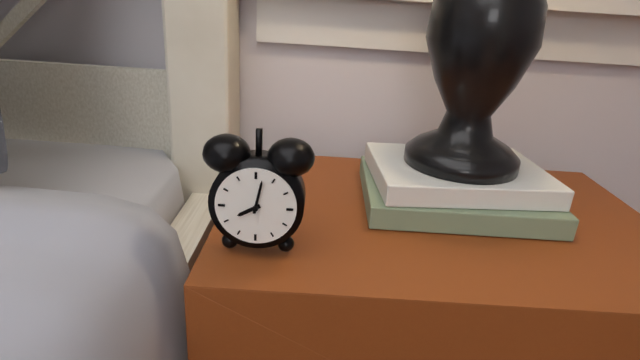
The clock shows **8:02**
